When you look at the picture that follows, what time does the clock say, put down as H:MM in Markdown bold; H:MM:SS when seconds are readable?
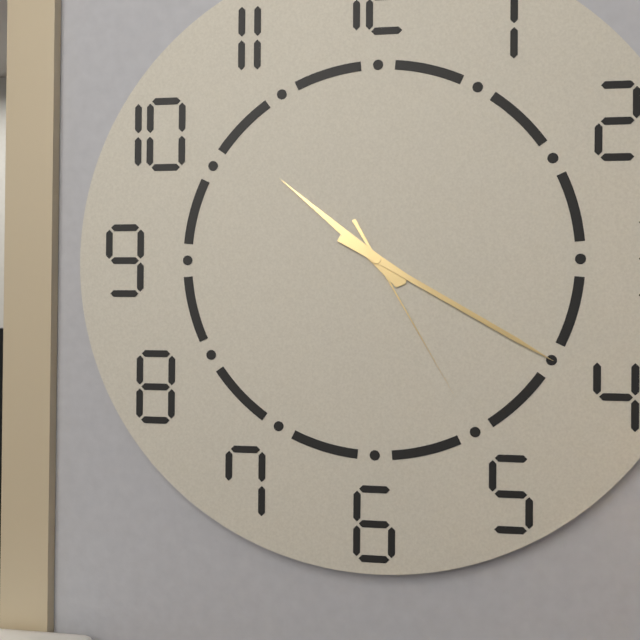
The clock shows **10:20:25**
